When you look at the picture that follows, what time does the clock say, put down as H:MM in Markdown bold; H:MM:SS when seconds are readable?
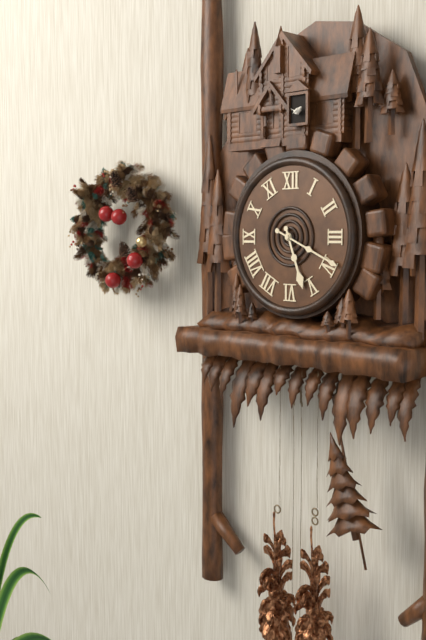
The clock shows **5:19**
